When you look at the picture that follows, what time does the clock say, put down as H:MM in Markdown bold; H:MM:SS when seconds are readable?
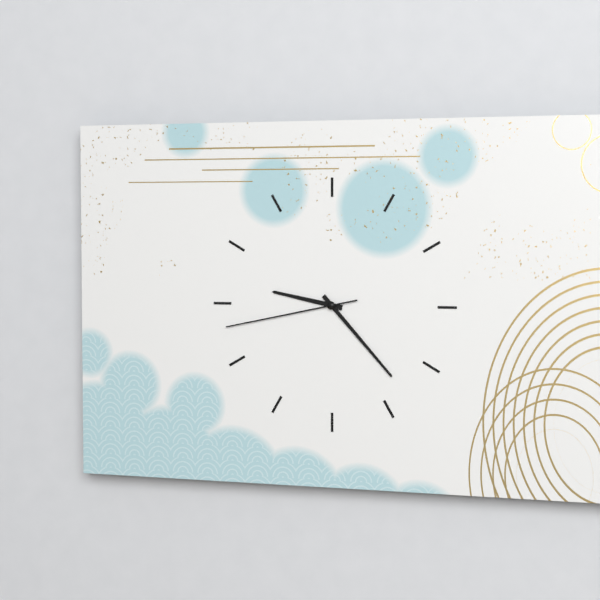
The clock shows **9:23:43**
